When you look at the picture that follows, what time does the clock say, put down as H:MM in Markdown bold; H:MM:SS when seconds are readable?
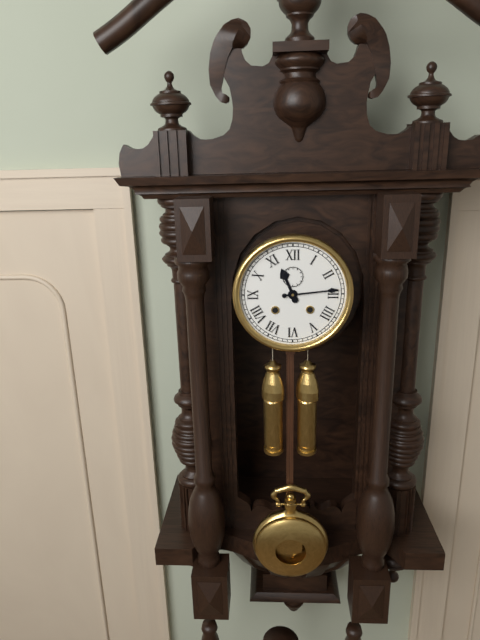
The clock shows **11:14**
